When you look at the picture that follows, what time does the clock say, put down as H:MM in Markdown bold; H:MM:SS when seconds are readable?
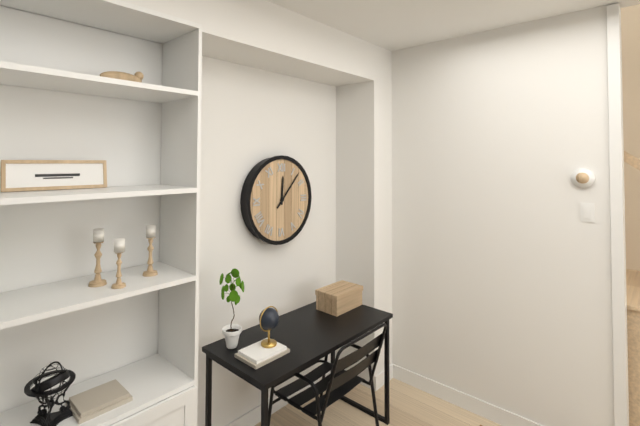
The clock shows **12:07**
